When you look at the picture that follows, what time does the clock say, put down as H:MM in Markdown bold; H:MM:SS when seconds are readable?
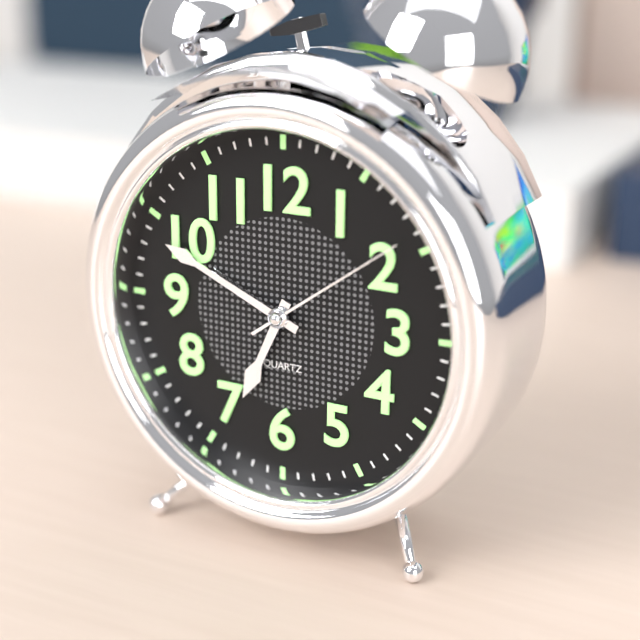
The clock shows **6:49:09**
